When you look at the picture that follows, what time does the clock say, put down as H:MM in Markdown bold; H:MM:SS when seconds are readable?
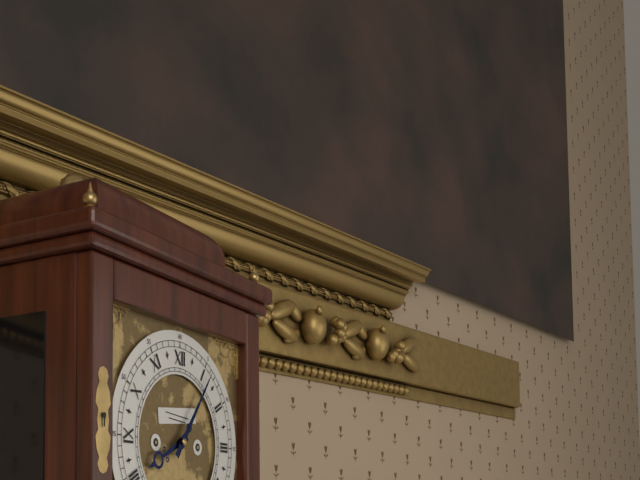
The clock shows **8:06**
